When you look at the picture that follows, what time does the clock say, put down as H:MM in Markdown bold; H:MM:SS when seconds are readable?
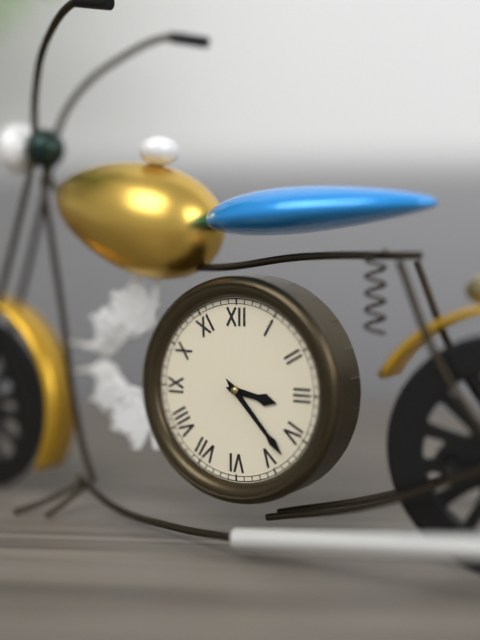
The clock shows **3:23**
